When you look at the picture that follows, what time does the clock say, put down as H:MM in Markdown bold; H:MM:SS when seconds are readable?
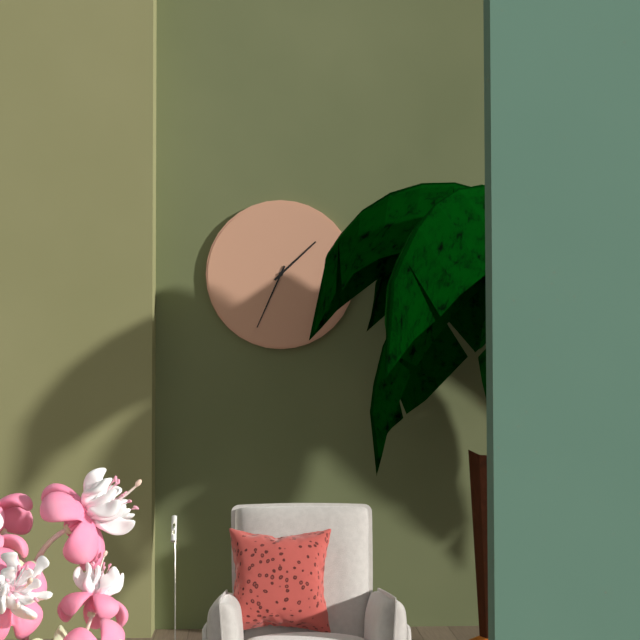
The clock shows **1:34**
